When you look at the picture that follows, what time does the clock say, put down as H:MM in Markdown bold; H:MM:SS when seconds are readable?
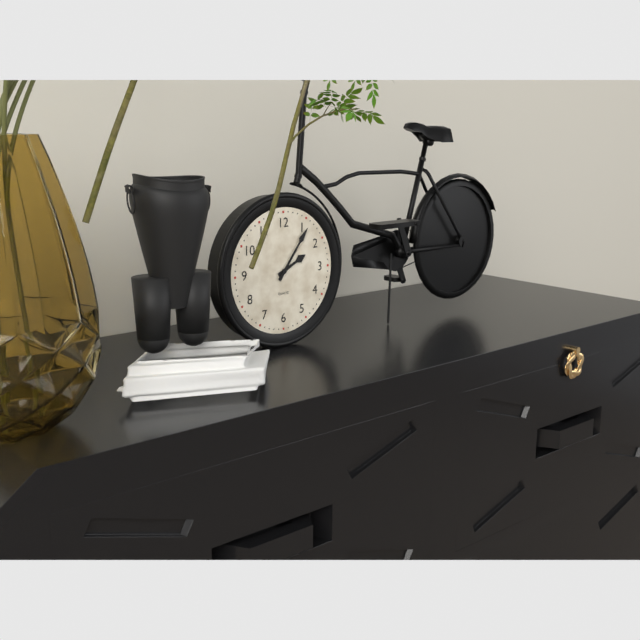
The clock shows **2:06**
